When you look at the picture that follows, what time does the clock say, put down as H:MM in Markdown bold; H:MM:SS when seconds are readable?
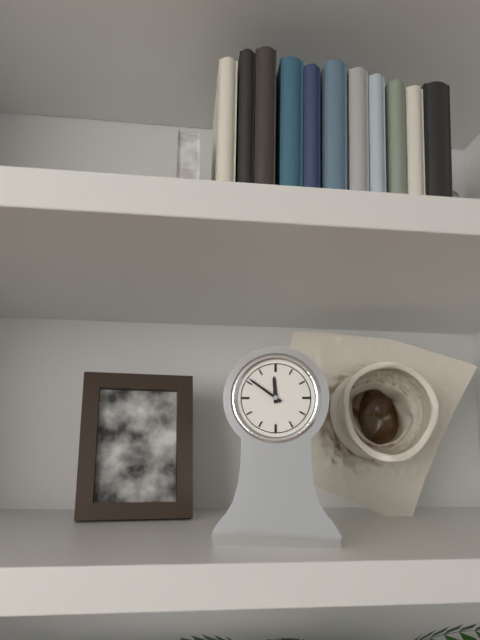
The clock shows **11:51**
